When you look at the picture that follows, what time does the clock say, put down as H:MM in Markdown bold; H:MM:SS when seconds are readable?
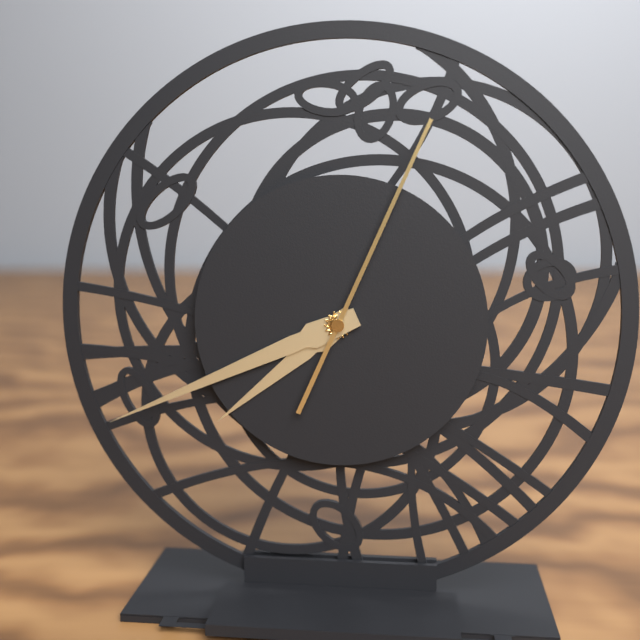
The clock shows **7:41:04**
